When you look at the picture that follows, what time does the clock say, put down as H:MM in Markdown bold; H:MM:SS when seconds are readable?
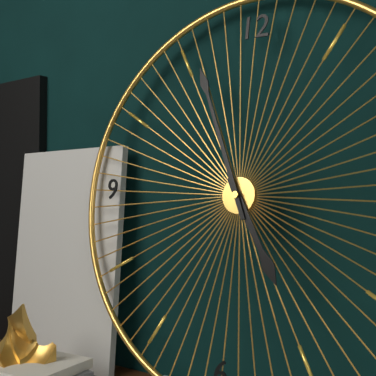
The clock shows **4:56**
